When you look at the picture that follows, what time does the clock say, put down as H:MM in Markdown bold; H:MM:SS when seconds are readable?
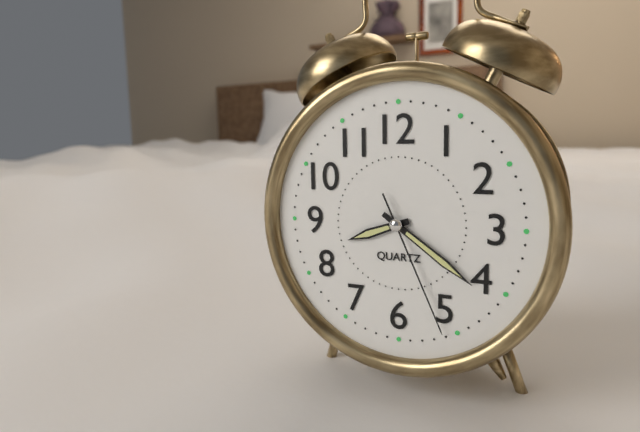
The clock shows **8:21:26**
